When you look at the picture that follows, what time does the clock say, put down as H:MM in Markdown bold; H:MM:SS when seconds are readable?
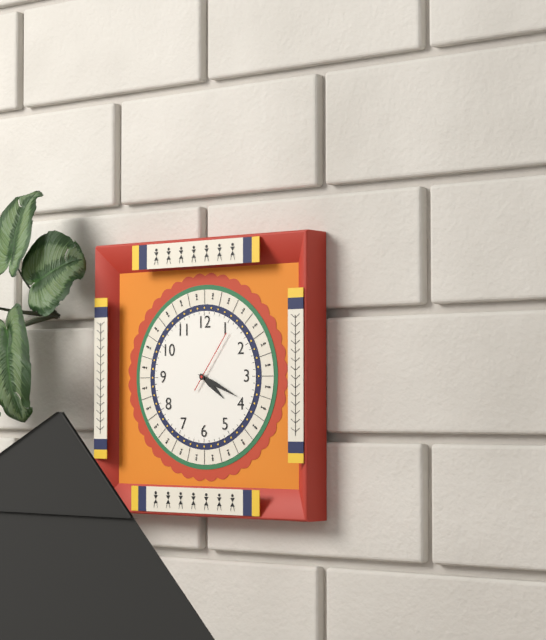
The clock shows **4:19:06**
